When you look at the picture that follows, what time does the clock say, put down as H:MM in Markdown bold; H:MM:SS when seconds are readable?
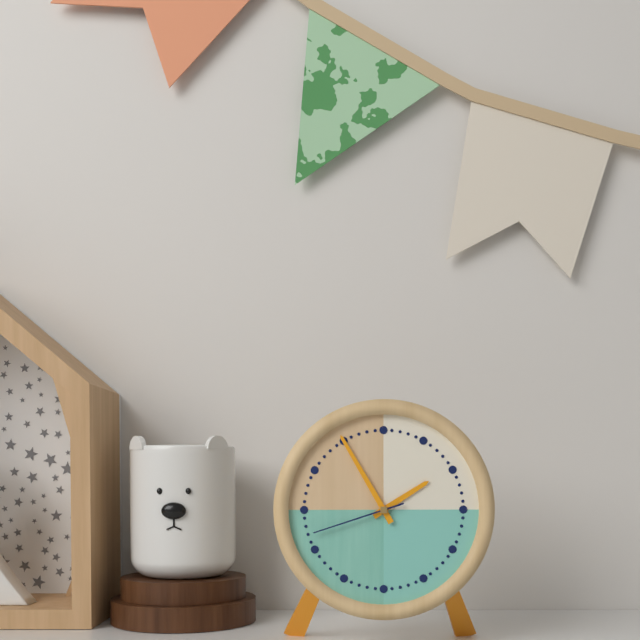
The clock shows **1:55:42**
